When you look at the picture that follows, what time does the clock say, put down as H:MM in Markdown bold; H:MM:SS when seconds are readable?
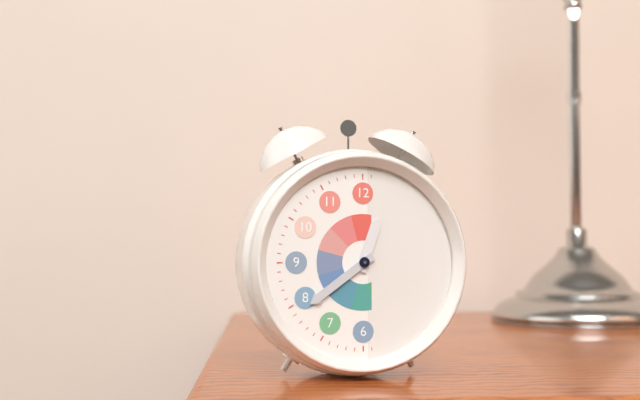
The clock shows **12:39**
